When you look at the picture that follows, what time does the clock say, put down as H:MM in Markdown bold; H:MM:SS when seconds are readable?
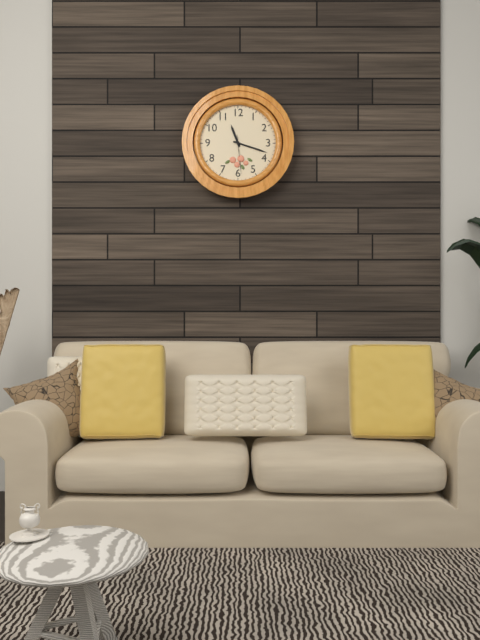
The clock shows **11:18**
